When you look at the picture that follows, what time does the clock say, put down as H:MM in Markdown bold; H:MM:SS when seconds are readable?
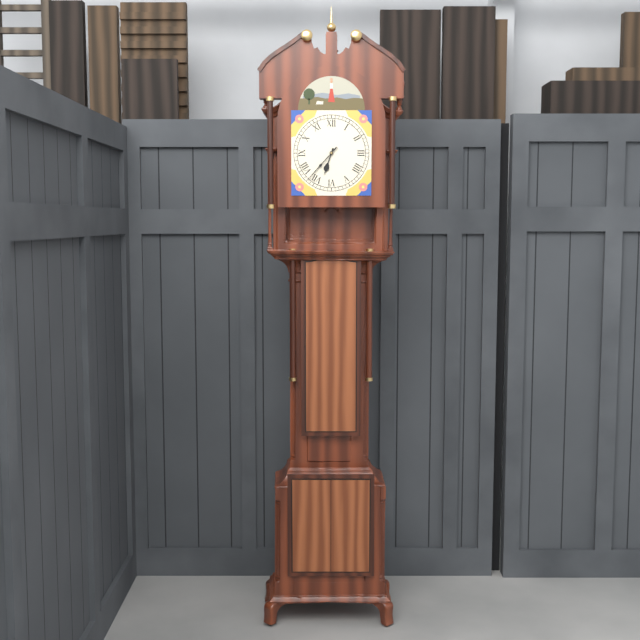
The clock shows **6:37**
